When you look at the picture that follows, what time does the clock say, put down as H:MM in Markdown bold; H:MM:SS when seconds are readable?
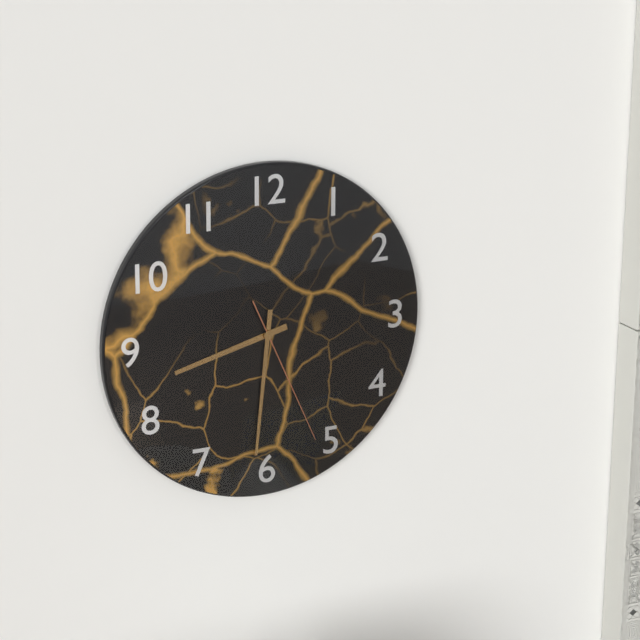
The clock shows **8:31:26**
